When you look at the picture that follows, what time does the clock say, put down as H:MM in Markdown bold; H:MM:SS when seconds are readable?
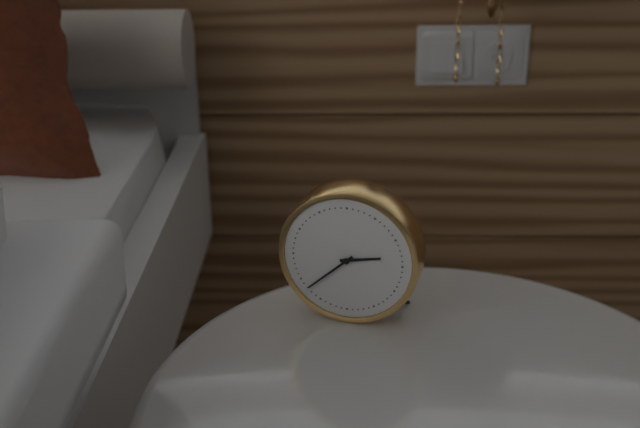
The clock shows **2:38**
